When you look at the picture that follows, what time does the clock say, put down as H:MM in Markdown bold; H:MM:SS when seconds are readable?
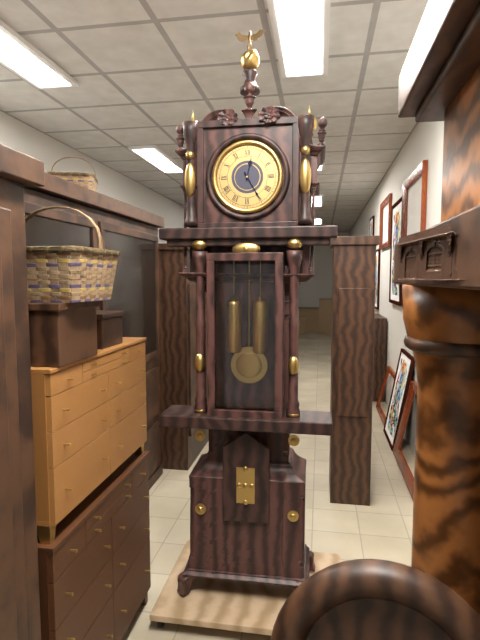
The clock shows **12:25**
